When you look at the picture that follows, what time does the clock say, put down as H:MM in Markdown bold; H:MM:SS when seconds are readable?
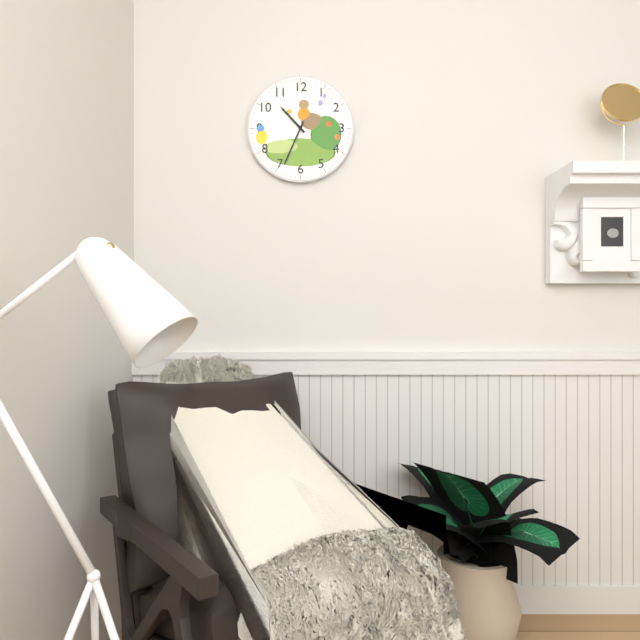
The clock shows **10:34**
